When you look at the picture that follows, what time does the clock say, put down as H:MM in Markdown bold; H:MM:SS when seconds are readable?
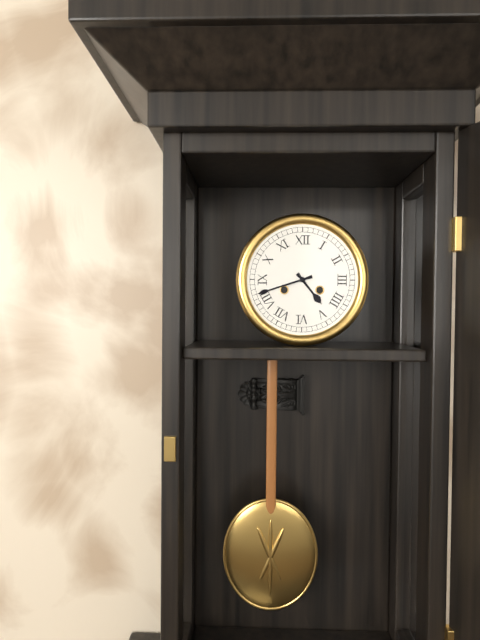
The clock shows **4:42**
